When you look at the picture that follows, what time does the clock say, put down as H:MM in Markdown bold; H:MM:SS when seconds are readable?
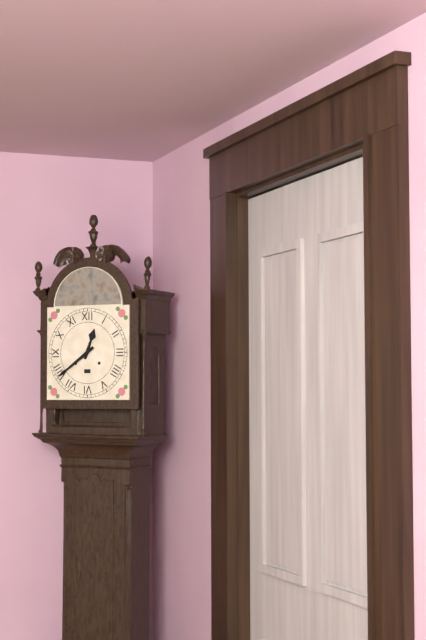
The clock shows **12:39**
